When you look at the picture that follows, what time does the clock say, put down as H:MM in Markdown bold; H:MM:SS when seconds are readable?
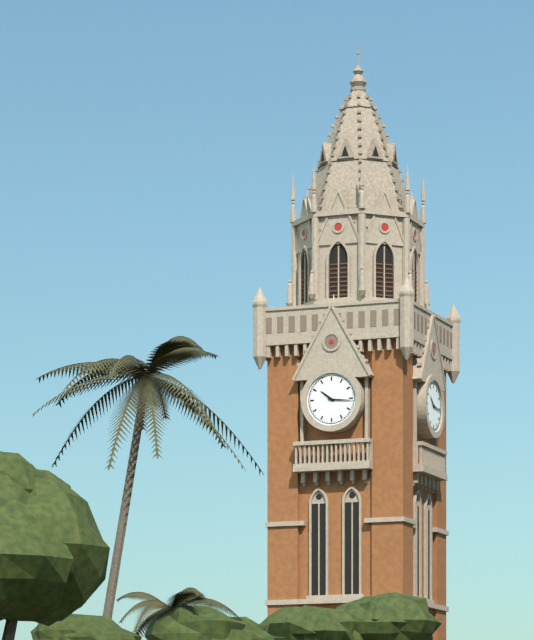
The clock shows **10:16**
